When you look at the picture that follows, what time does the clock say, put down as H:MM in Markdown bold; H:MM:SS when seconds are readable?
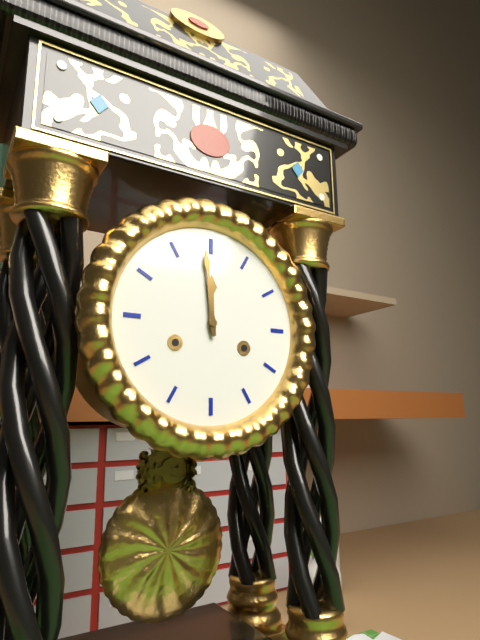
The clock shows **11:59**
